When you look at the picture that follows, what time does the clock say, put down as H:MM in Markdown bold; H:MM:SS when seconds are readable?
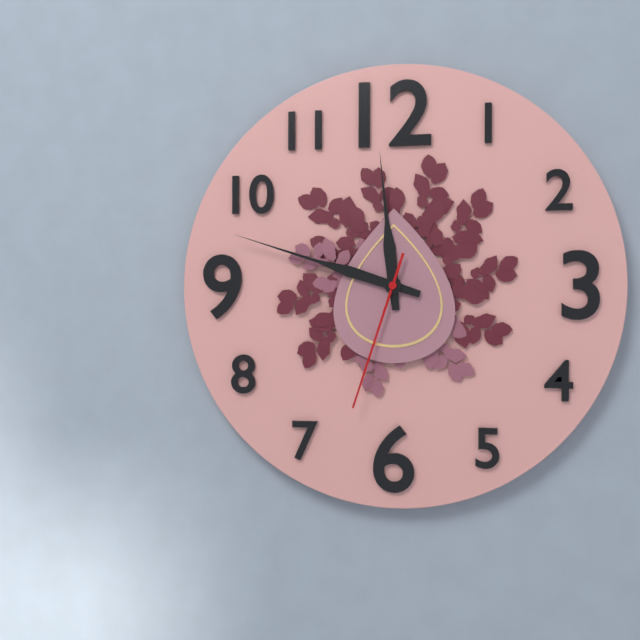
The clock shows **11:48:33**
